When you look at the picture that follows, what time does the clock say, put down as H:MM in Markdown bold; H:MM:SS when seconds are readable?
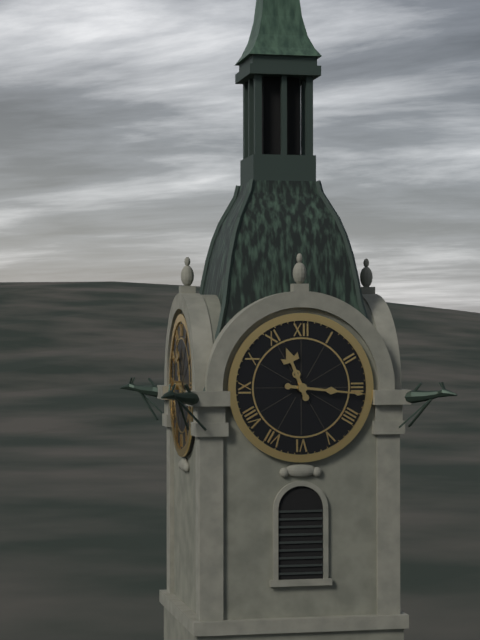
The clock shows **11:16**
